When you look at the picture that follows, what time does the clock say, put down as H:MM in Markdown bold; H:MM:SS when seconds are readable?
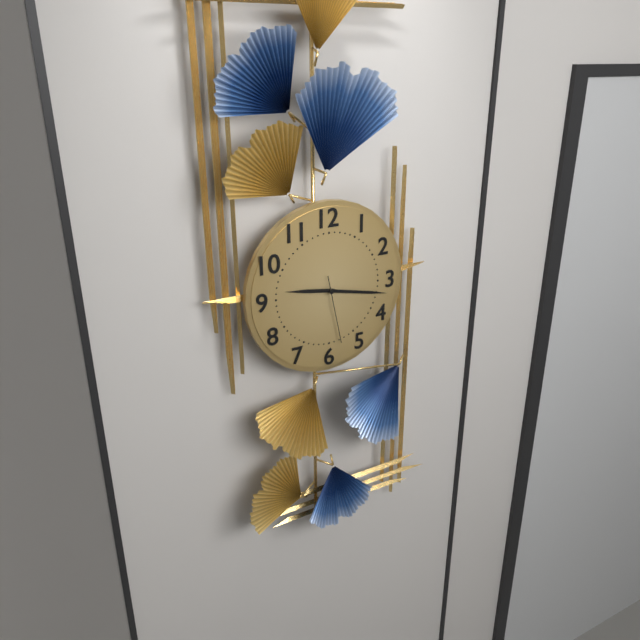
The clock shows **9:17:28**
